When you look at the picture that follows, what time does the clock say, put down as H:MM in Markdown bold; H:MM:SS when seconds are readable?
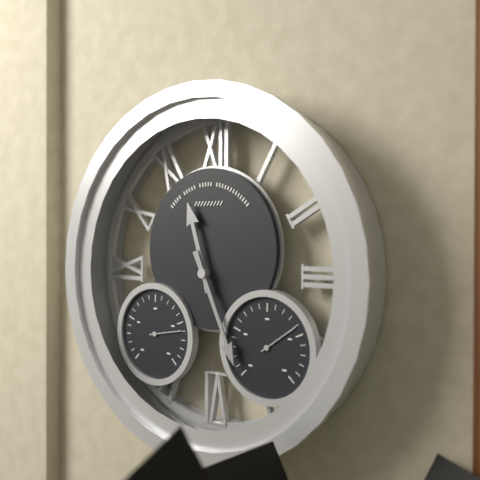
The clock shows **11:26**
